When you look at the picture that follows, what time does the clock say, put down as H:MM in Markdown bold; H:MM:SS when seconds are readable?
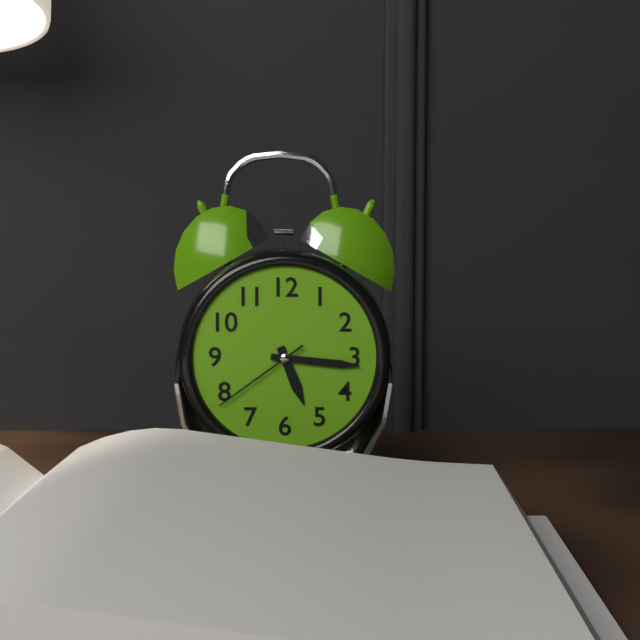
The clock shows **5:16:39**
